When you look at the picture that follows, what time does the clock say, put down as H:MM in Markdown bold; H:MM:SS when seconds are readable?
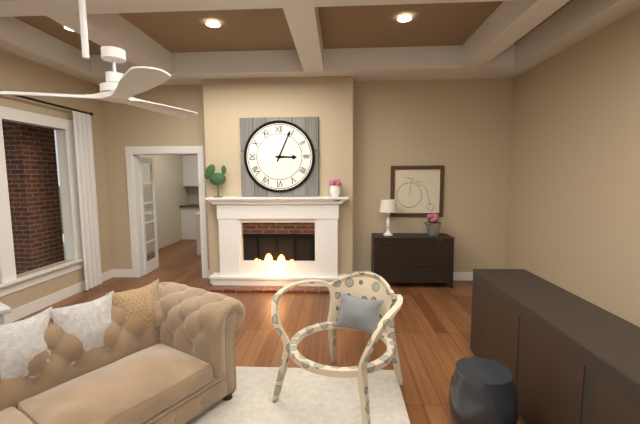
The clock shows **3:04**
